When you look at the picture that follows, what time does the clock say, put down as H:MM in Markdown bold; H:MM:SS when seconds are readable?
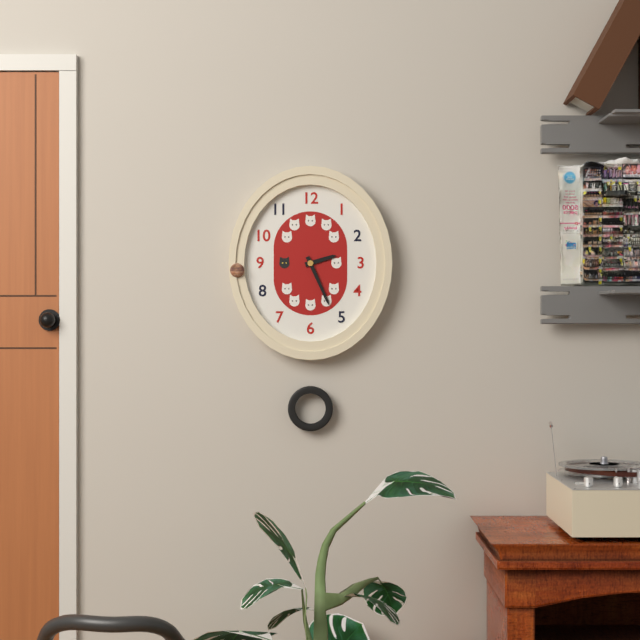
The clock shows **2:26**
